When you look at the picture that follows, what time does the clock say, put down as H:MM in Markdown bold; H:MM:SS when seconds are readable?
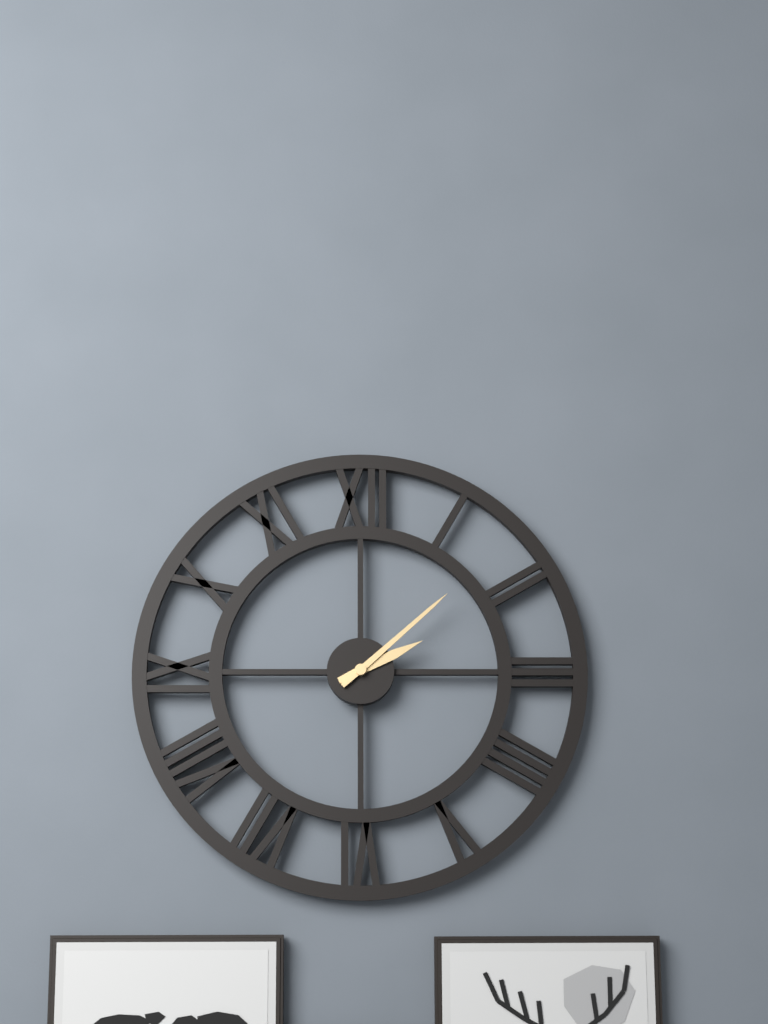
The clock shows **2:08**
